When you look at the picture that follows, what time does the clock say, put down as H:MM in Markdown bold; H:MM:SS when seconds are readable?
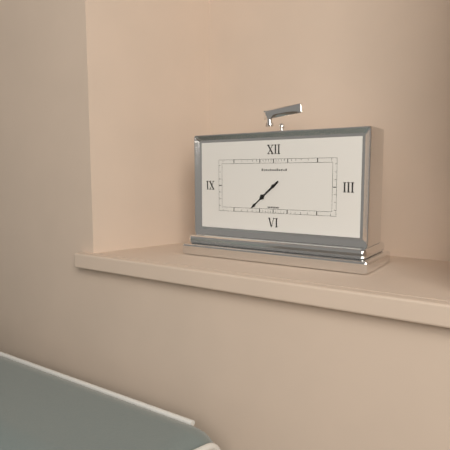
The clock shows **7:38**
